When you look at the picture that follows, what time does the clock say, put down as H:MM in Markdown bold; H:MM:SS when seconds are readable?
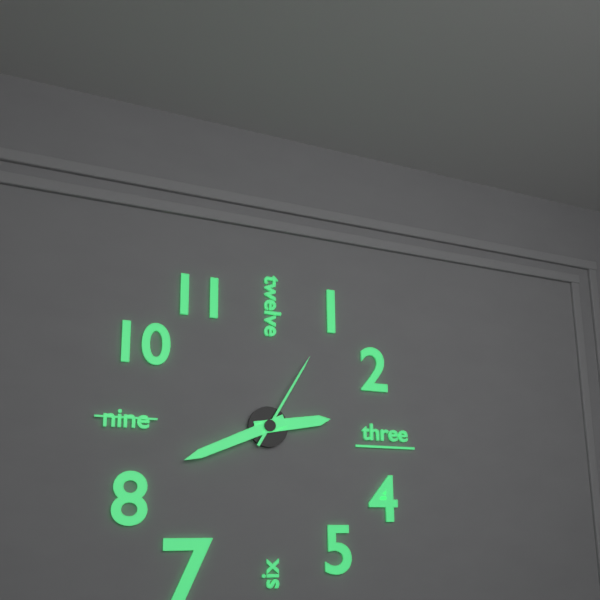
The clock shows **2:41:05**
